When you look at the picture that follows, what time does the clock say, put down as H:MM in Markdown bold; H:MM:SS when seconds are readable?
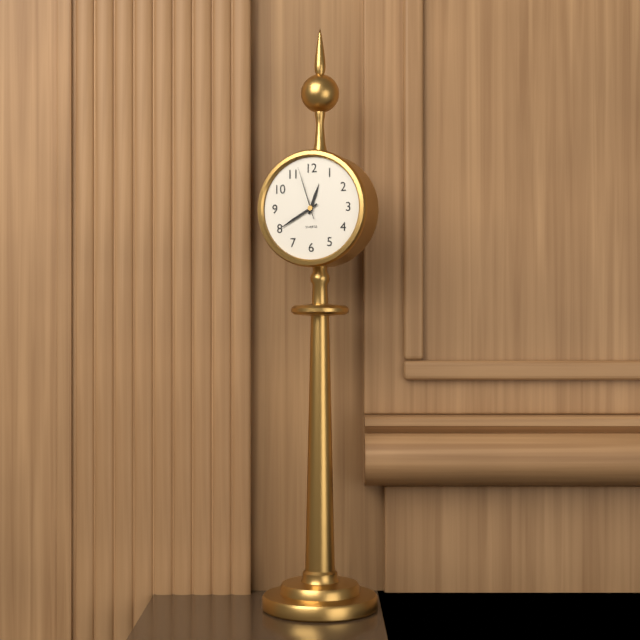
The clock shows **12:40:57**
